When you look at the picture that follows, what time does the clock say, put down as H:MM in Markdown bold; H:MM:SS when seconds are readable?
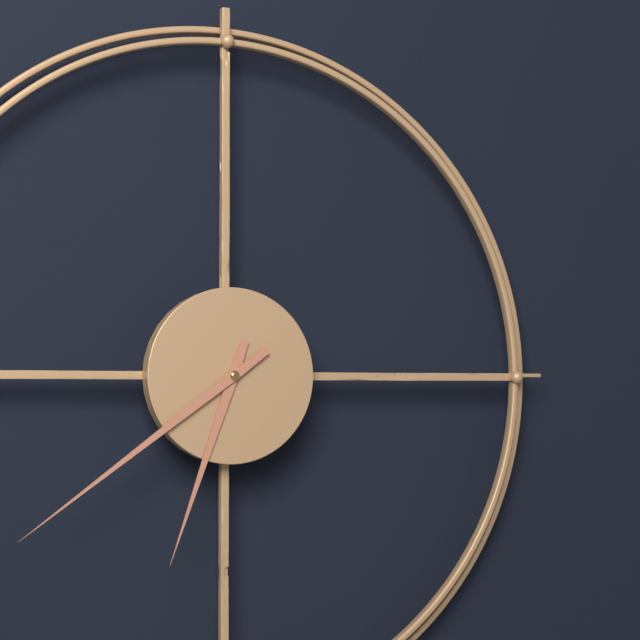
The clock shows **6:39**
